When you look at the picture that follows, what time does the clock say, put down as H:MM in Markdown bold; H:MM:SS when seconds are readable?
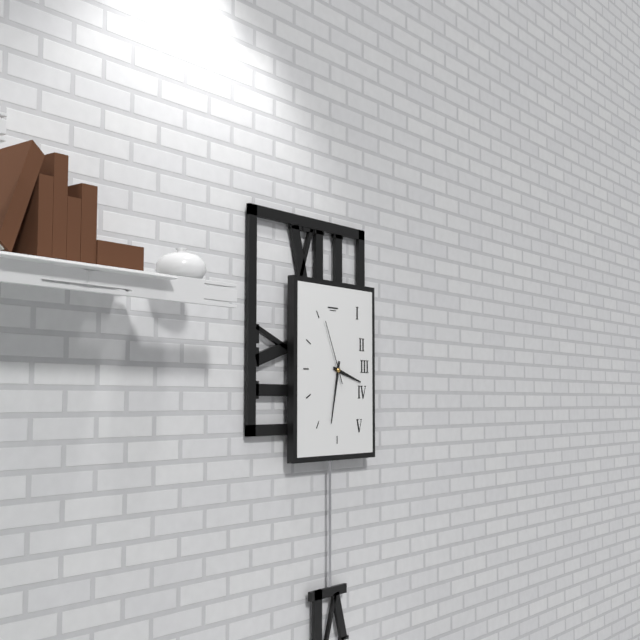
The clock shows **3:32:56**
